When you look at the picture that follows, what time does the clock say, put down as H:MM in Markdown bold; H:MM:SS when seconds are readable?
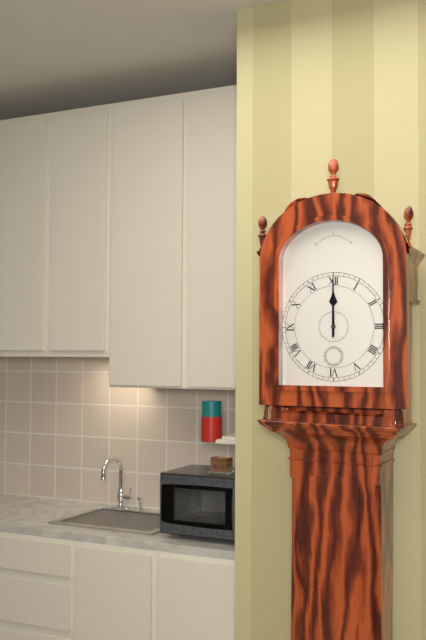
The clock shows **12:00**
